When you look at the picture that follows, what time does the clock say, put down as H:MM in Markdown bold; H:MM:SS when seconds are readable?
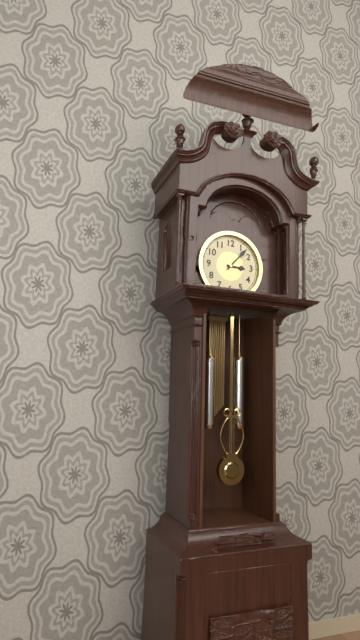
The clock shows **3:07**
